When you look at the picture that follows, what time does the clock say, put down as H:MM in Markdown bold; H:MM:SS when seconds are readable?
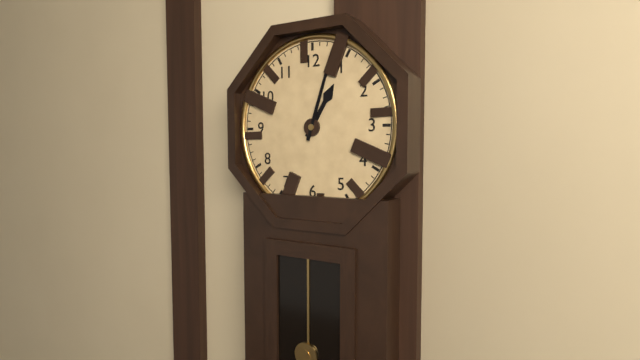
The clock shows **1:03**
